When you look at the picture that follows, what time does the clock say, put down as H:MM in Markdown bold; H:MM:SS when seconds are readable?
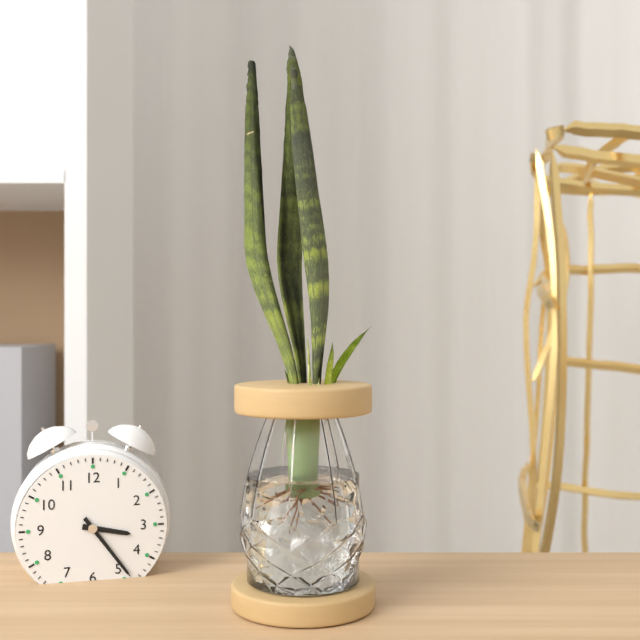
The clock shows **3:24**
